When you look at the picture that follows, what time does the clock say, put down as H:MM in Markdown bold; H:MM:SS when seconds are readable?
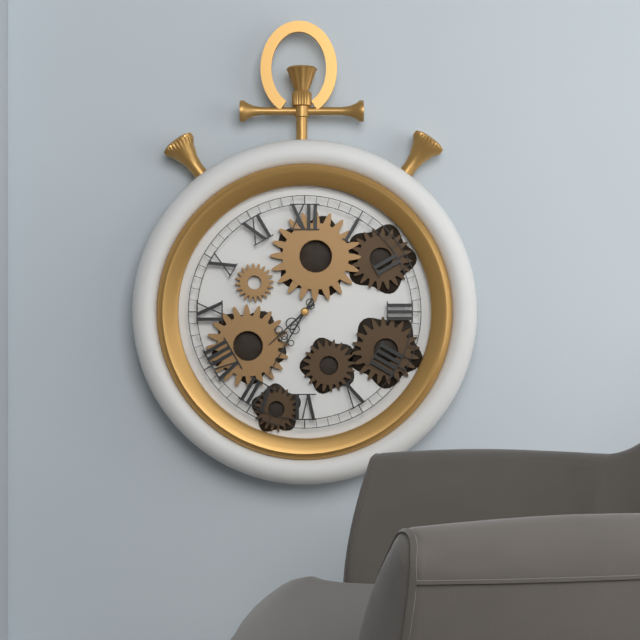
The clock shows **7:35**
